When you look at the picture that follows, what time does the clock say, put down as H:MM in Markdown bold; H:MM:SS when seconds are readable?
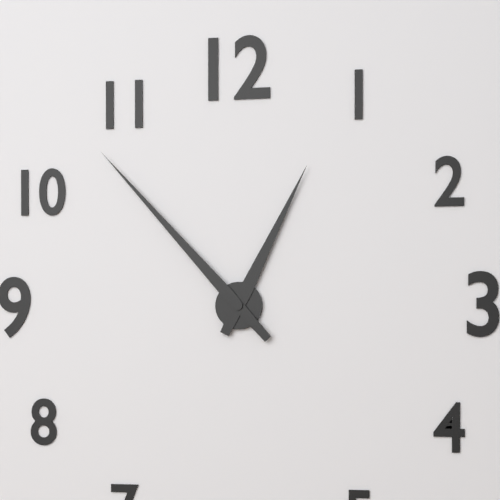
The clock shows **12:53**
